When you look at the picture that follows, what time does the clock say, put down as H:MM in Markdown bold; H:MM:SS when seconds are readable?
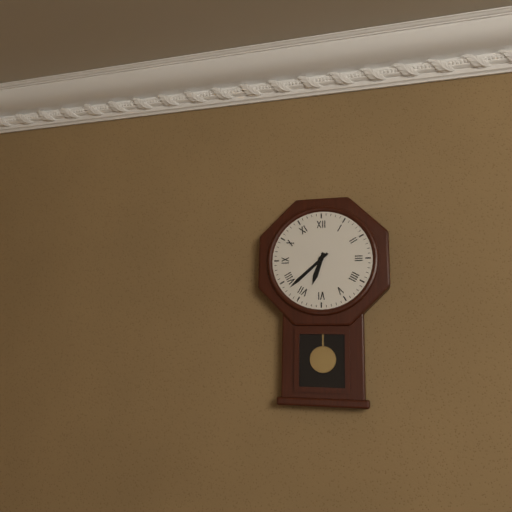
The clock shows **6:38**
